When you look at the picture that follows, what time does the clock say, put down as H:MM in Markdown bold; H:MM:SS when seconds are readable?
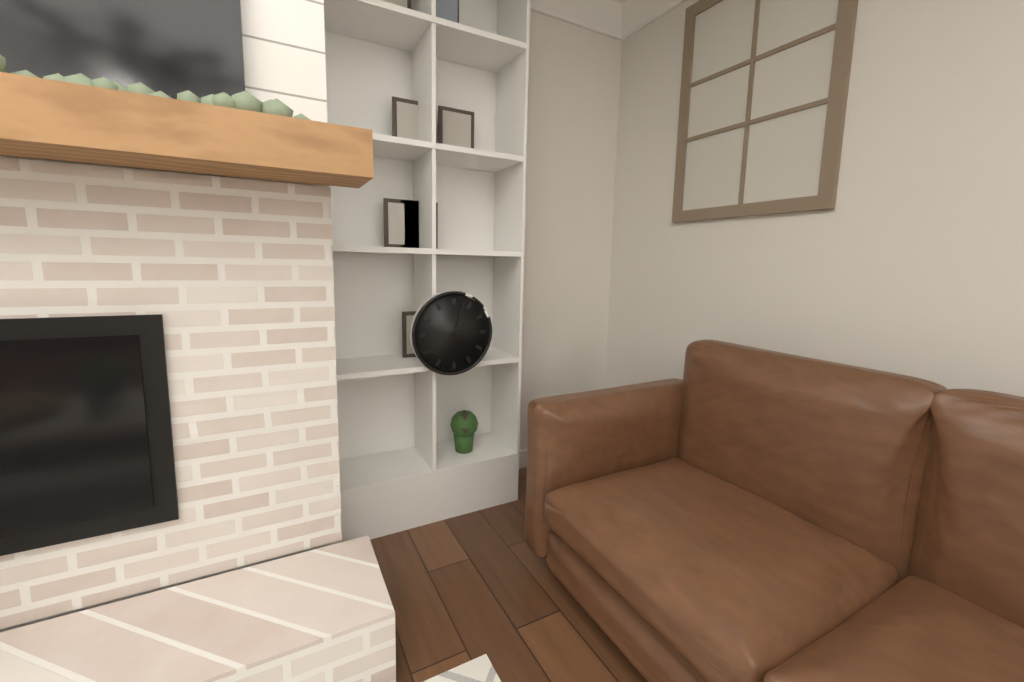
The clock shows **3:03**
